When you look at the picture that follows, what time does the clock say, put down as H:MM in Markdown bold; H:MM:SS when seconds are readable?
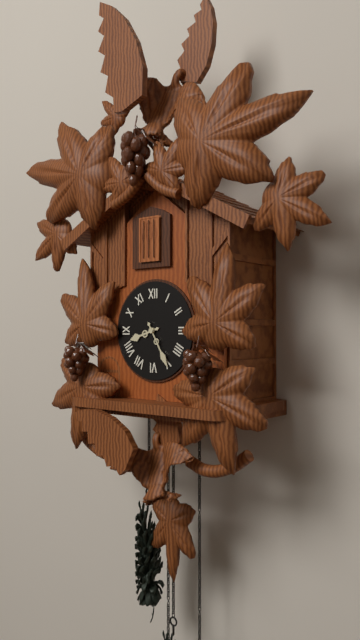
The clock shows **8:25**
